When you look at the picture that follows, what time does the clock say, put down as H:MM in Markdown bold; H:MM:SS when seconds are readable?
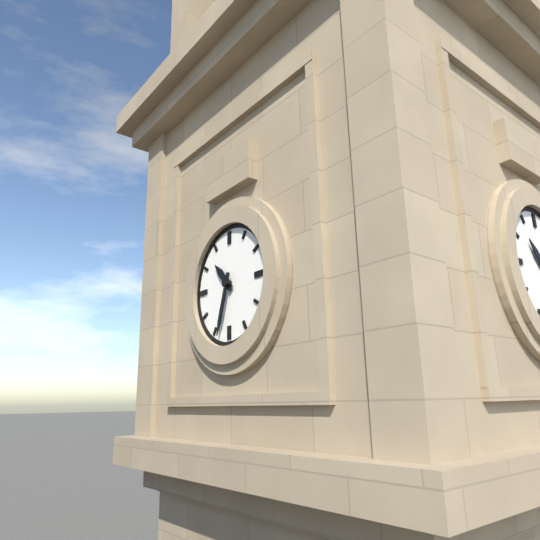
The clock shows **10:33**
